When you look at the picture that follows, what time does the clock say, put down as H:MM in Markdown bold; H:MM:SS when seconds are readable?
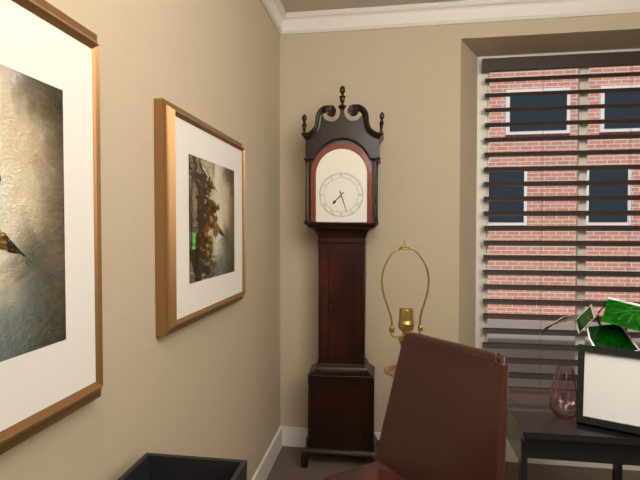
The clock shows **7:27**
